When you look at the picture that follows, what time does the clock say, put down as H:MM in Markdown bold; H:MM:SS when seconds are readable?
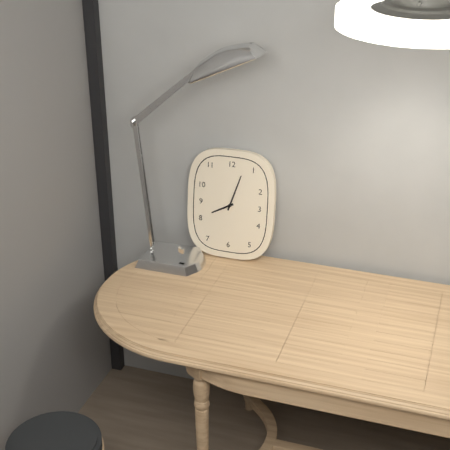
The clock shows **8:03**
